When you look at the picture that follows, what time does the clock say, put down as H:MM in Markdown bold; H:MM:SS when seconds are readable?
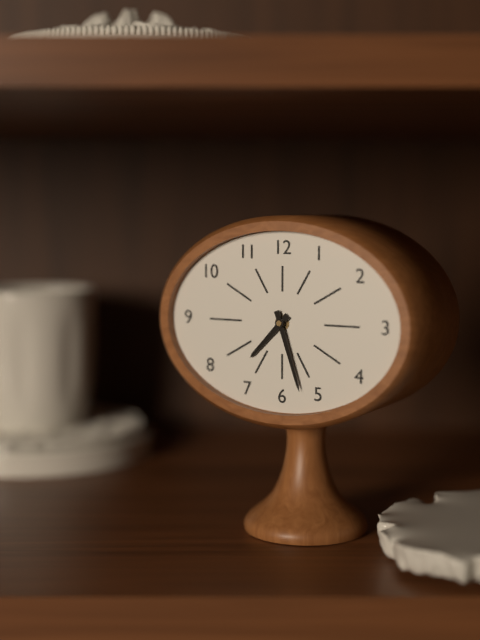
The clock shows **7:27**
